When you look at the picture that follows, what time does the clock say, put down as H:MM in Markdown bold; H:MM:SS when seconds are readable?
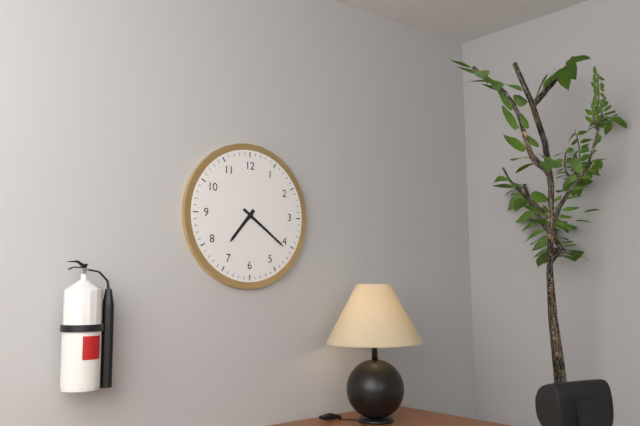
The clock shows **7:21**
